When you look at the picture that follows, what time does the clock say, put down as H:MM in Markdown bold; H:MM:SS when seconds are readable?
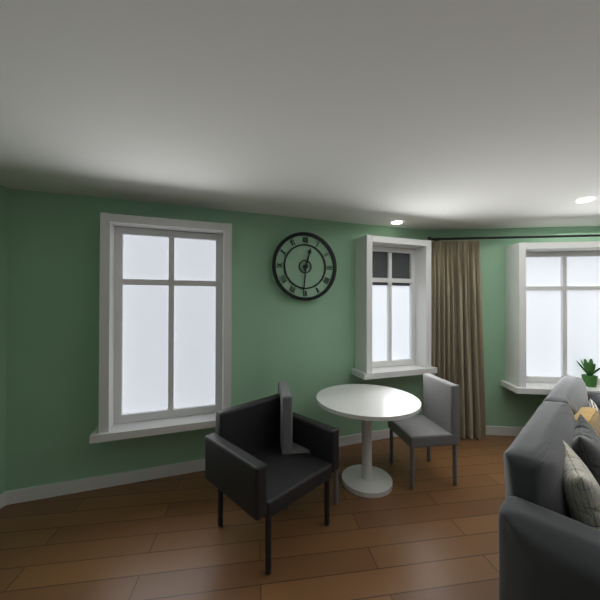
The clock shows **12:31**
